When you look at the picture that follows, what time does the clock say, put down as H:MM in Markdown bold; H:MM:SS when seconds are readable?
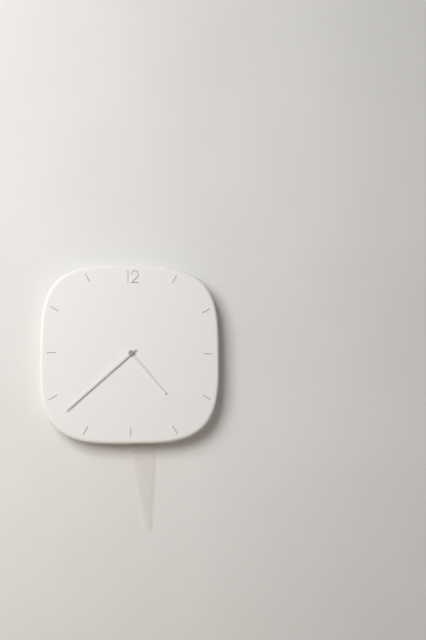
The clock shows **4:38**
